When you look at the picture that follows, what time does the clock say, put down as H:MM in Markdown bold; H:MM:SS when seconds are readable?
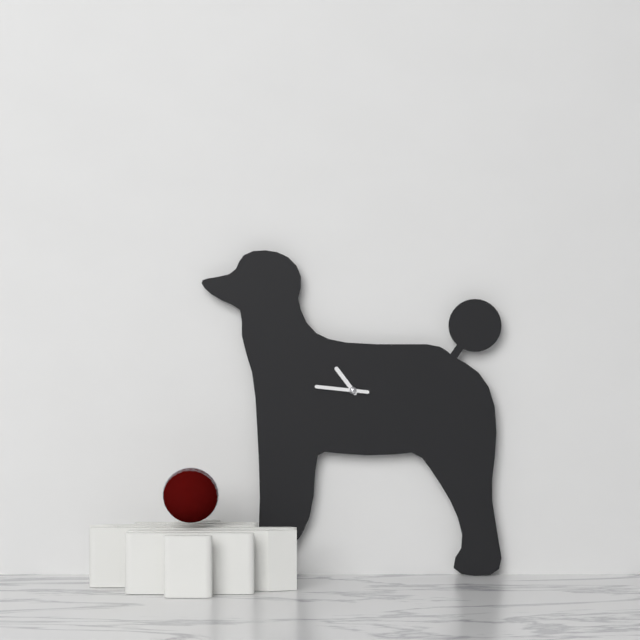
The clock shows **10:46**
